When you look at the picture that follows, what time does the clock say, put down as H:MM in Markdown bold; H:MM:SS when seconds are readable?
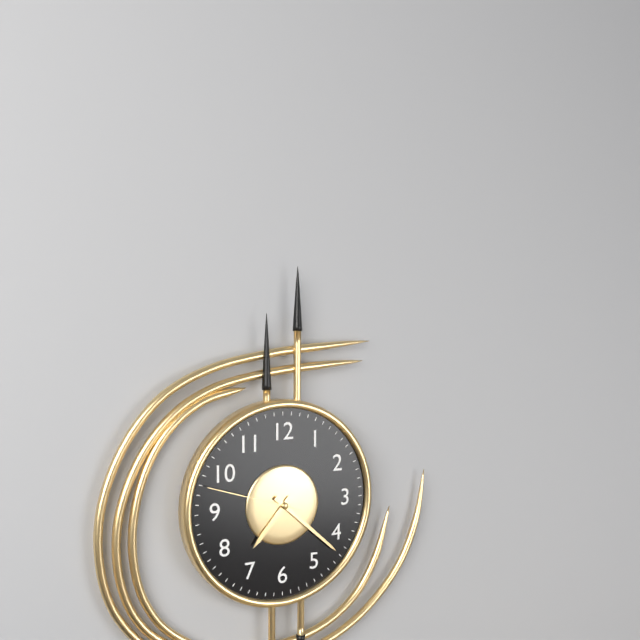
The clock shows **7:22:48**
